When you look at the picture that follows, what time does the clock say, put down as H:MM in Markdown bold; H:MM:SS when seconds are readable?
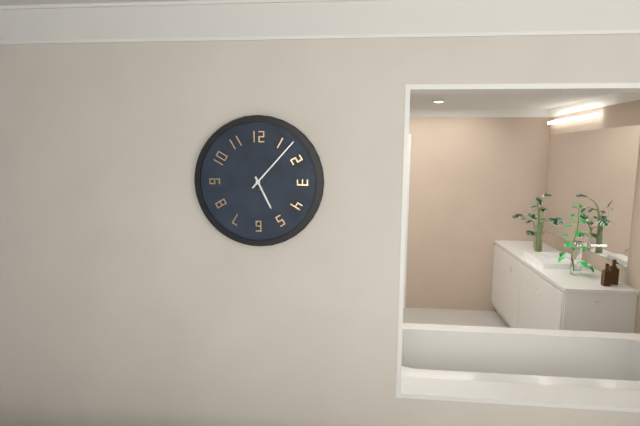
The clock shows **5:07**
